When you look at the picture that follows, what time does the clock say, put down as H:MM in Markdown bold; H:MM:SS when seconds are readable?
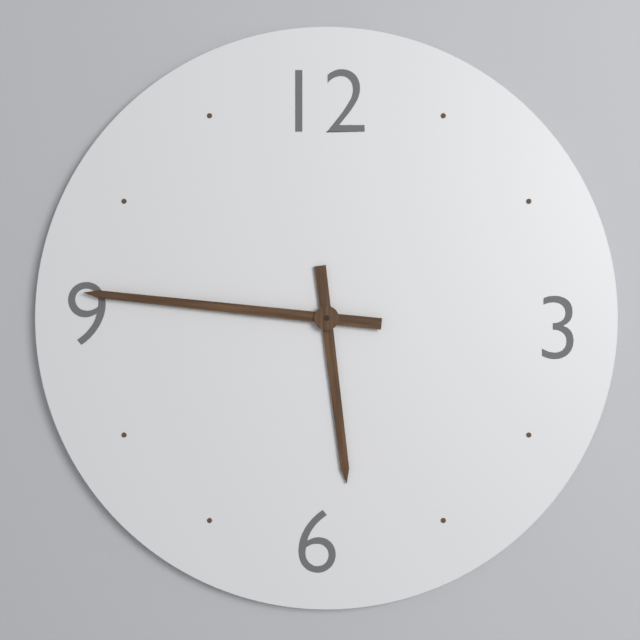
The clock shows **5:46**
